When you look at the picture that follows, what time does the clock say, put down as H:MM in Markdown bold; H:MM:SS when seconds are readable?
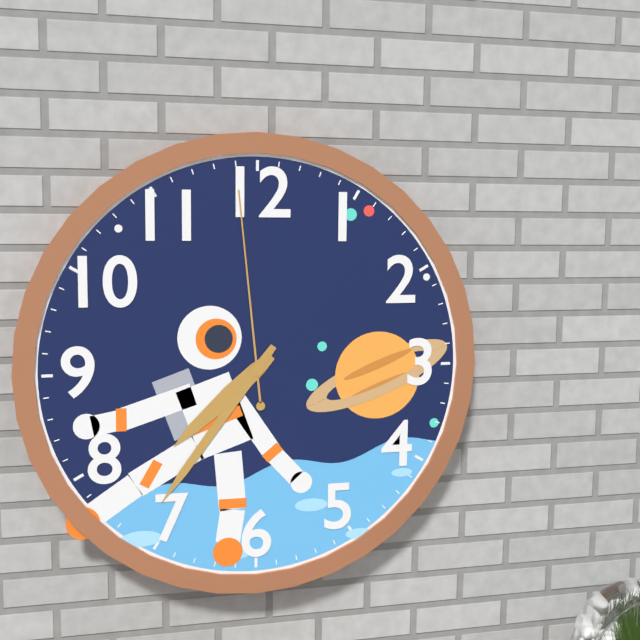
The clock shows **7:36:59**
